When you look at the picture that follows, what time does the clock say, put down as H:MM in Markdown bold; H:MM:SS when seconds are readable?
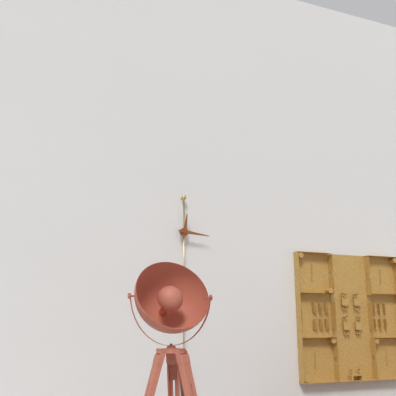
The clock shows **12:16**
